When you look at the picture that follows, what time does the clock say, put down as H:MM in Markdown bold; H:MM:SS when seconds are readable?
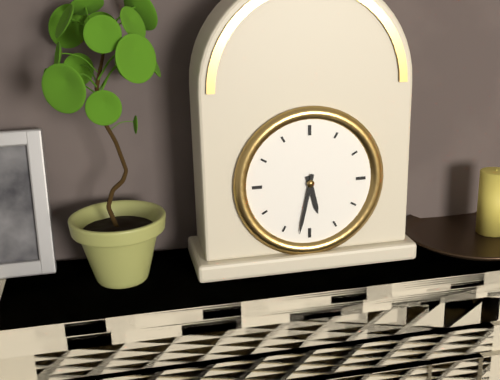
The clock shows **5:32**
